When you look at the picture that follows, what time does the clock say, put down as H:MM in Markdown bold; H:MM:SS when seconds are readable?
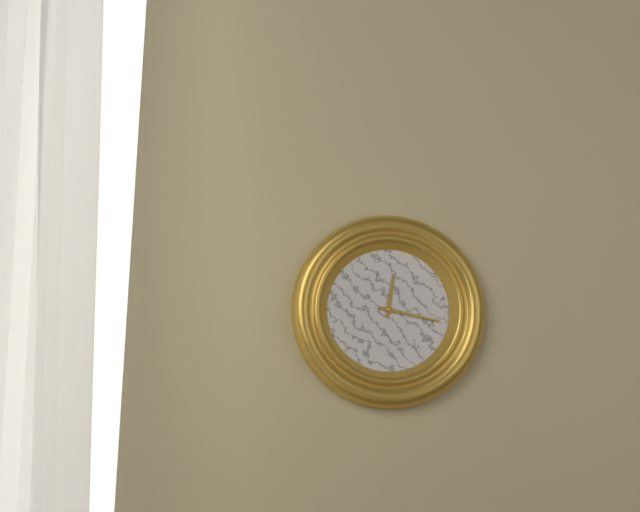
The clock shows **12:17**
